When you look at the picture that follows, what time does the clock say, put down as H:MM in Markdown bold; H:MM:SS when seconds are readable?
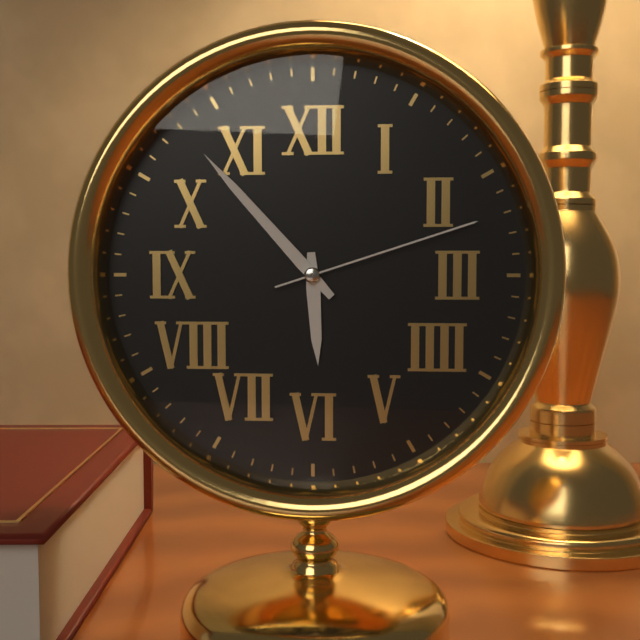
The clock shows **5:53:12**
